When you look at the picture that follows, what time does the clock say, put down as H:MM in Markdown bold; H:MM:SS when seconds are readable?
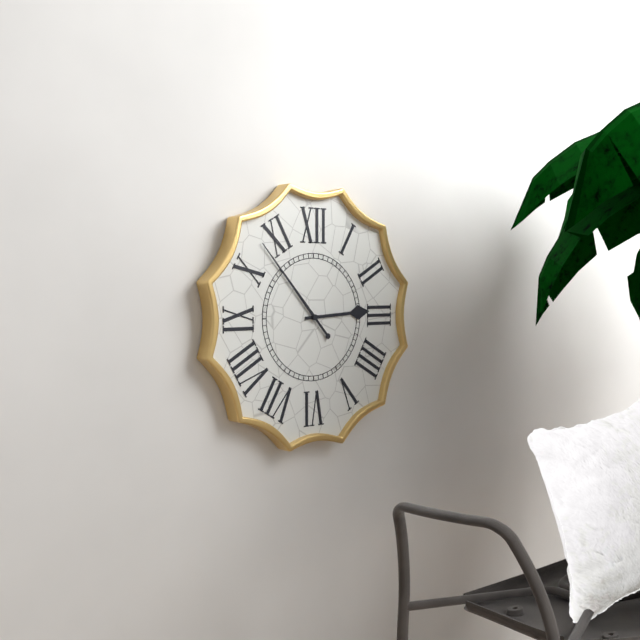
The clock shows **2:53**
